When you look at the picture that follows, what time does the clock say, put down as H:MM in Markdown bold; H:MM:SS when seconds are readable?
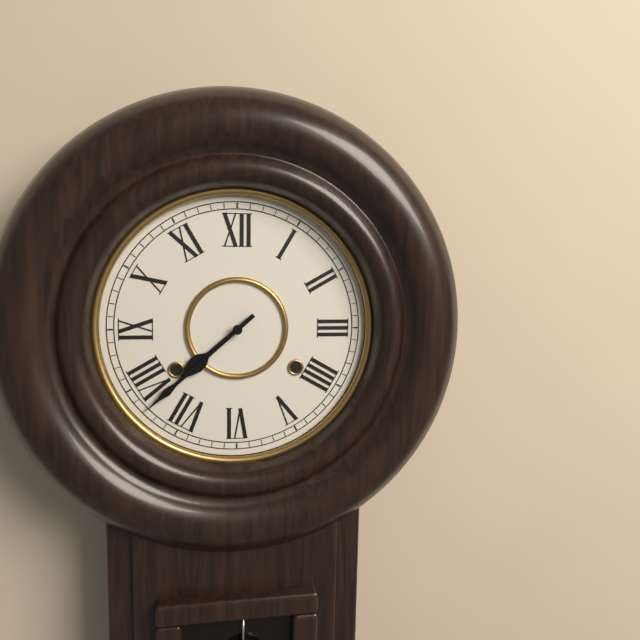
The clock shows **7:38**
